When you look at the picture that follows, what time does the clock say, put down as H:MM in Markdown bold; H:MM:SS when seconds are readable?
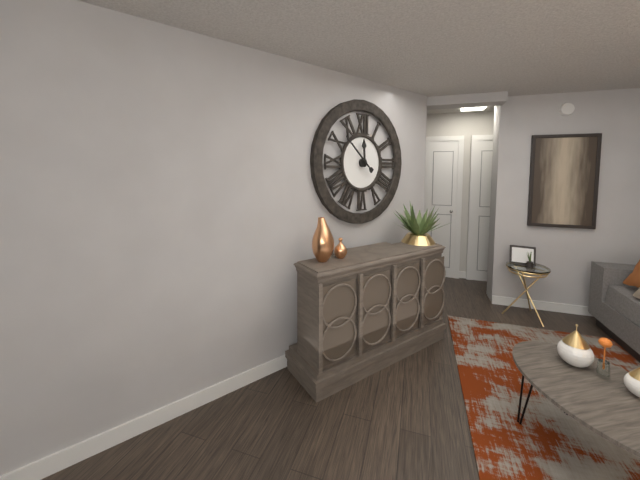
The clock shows **11:52**
